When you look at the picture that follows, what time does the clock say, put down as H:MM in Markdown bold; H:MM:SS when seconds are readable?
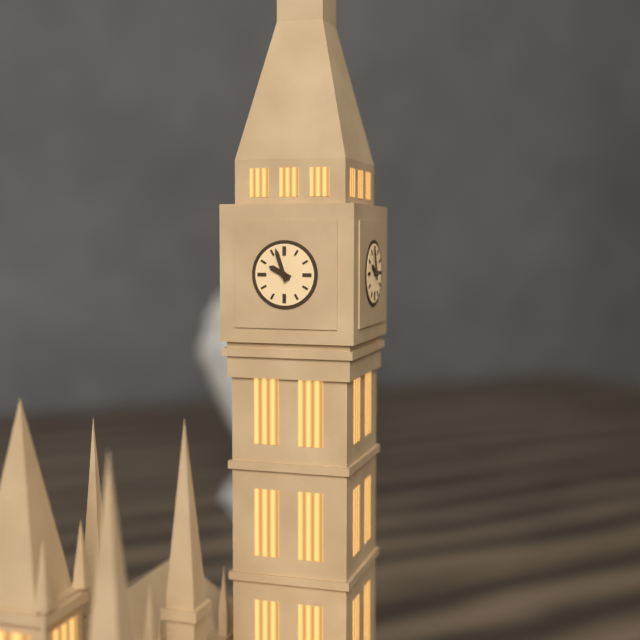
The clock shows **9:57**
